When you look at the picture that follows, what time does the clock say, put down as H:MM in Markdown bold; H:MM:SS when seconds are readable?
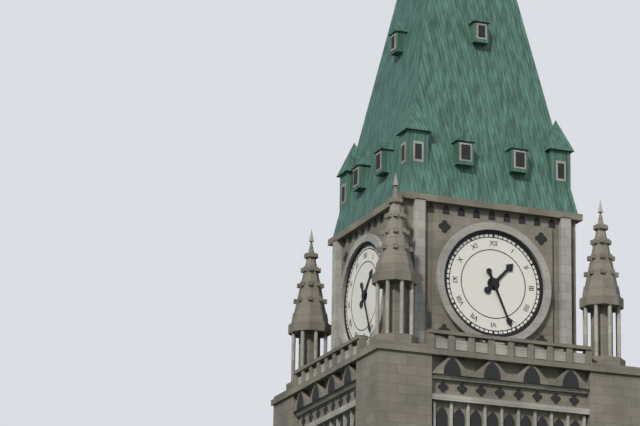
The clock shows **1:26**
